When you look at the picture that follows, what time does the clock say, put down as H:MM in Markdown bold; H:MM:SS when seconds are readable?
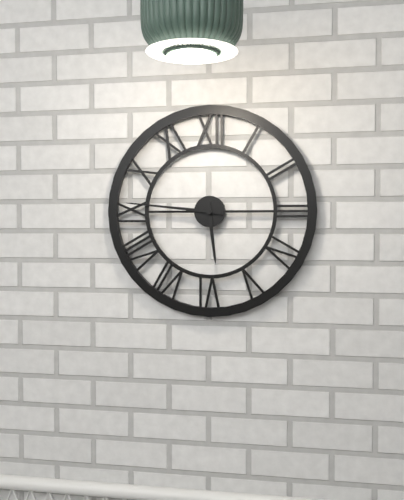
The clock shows **5:46**
